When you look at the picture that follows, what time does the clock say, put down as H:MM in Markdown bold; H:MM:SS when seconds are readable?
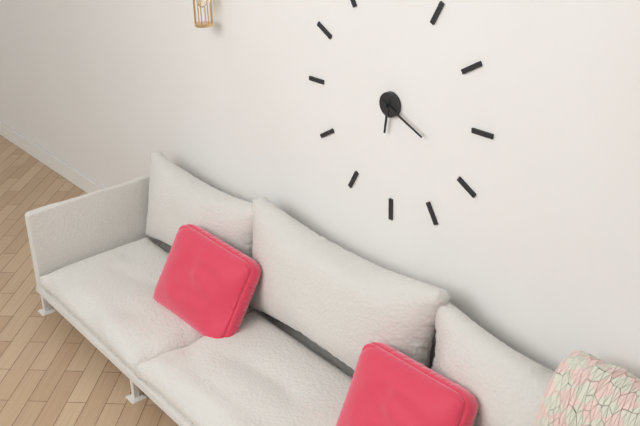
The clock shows **6:19**
